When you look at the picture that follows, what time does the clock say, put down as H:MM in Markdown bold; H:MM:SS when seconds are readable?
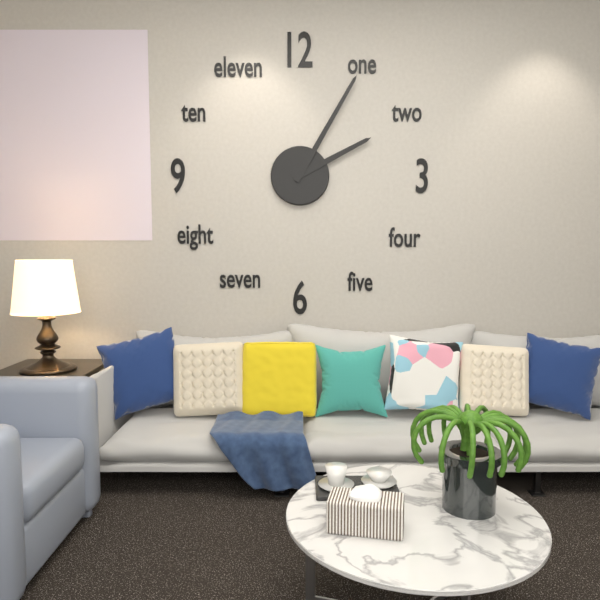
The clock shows **2:05**
